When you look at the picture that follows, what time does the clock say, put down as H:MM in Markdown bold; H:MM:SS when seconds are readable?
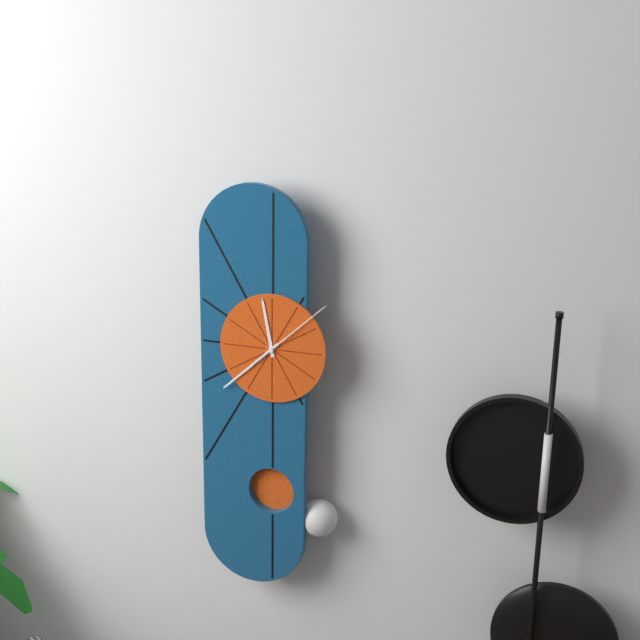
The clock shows **11:38:08**
